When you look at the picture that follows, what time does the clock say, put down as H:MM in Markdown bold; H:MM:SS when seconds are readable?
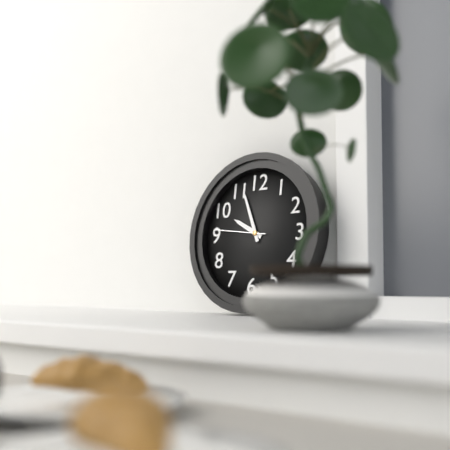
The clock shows **9:56**
